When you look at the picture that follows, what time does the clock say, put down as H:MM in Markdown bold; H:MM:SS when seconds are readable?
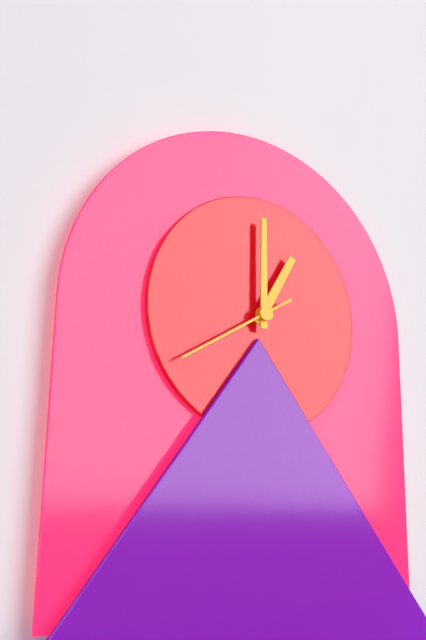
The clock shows **1:00:40**
